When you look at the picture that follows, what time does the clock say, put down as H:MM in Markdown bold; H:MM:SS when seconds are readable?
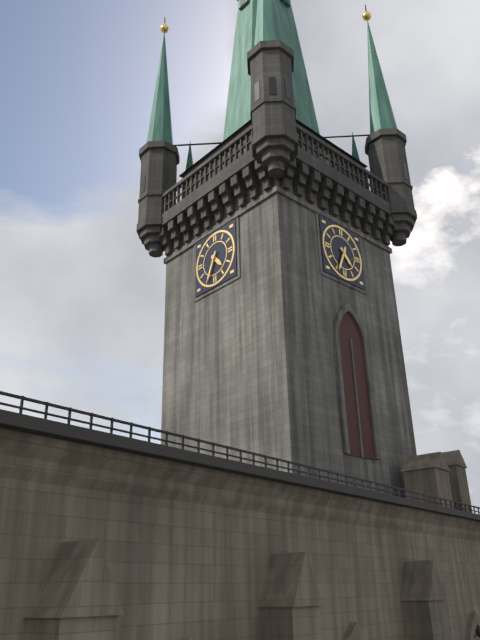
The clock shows **4:34**
